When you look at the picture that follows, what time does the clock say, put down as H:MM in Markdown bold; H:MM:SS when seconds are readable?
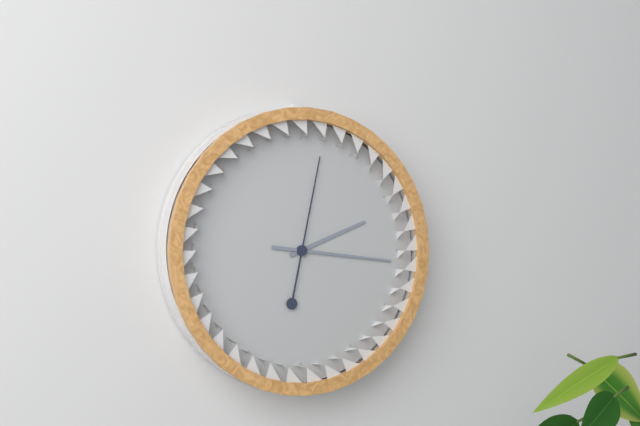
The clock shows **2:16:02**
